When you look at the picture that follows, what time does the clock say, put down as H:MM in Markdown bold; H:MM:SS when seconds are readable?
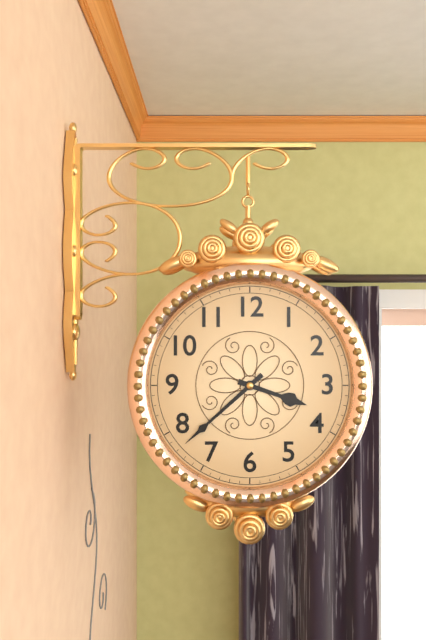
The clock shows **3:38**
